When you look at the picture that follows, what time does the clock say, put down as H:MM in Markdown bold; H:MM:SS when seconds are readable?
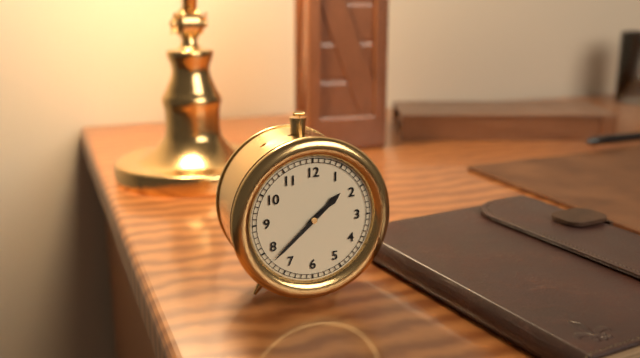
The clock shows **1:38**
